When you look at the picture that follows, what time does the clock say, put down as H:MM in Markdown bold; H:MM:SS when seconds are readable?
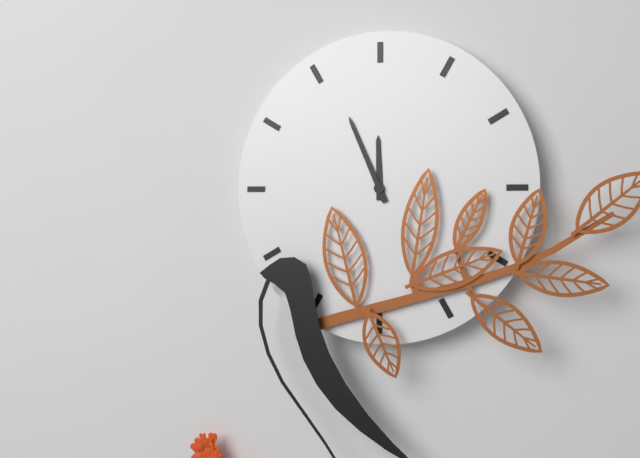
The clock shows **11:56**
